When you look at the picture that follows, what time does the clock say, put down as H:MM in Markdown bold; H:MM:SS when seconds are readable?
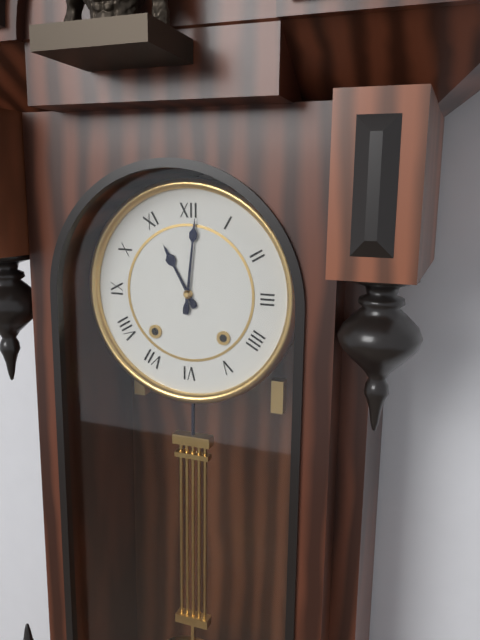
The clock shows **11:01**
